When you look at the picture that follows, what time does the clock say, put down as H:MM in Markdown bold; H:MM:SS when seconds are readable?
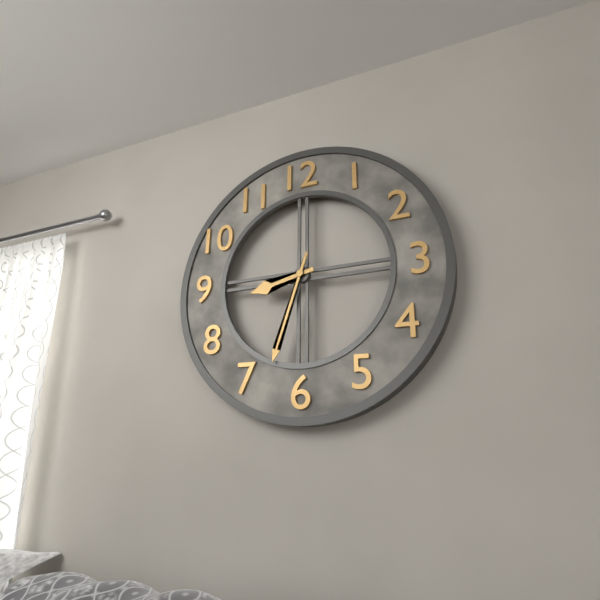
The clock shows **8:33**
